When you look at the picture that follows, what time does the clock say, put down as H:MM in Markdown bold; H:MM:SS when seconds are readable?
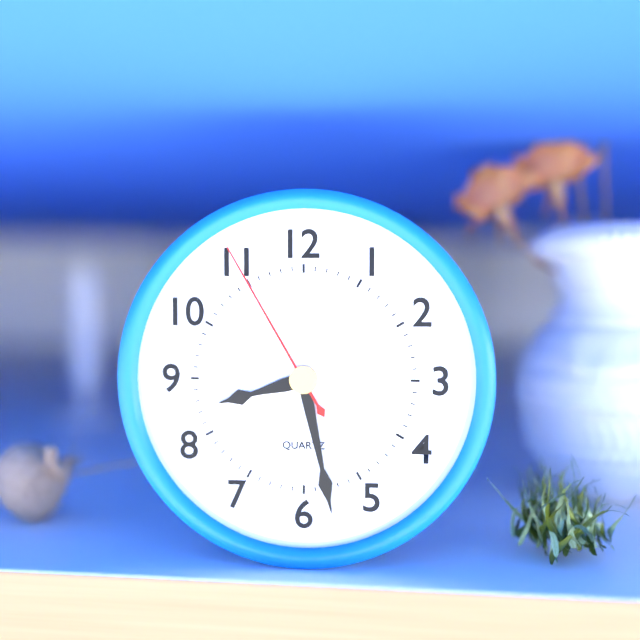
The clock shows **8:28:55**
